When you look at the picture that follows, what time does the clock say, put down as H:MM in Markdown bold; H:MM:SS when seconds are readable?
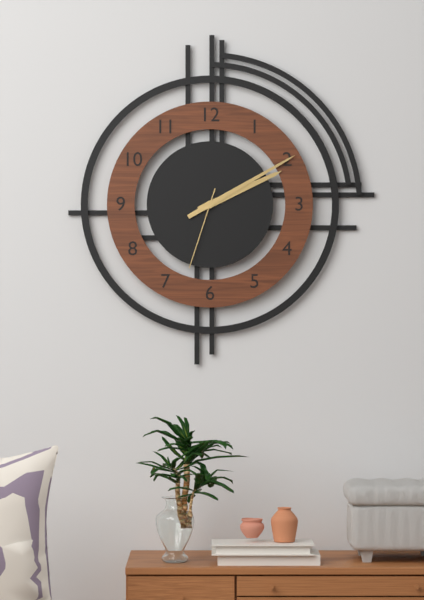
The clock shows **2:10:33**
